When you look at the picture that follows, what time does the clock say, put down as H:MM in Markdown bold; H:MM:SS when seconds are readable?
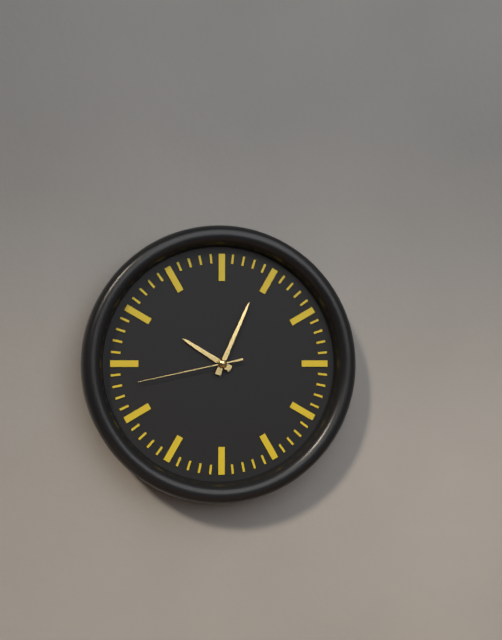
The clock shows **10:04:43**
